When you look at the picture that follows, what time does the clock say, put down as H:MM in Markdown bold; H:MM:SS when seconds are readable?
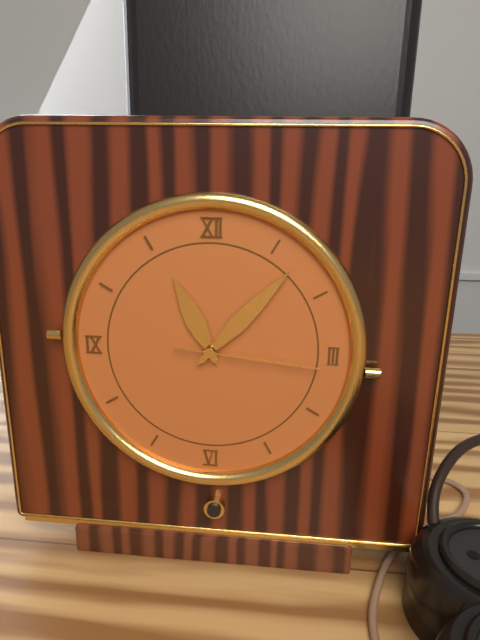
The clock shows **11:07:16**
